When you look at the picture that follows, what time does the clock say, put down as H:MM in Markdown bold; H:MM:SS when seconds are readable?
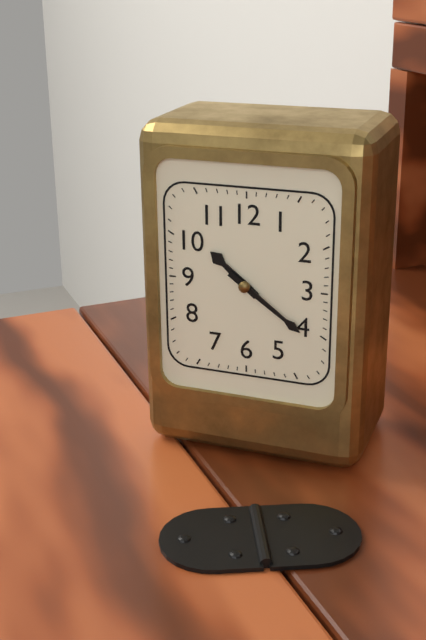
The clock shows **10:21**
